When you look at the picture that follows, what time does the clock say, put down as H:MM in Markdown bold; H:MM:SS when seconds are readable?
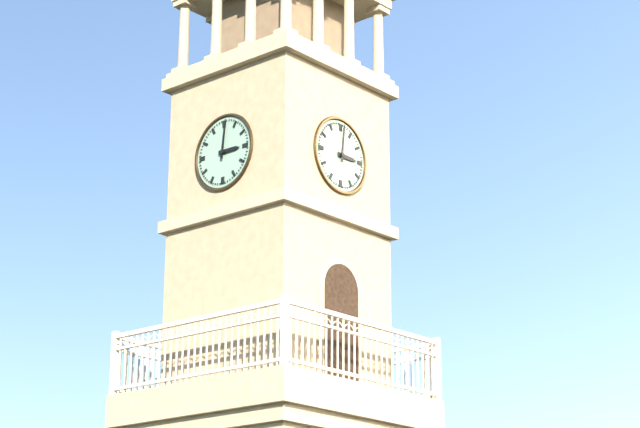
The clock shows **3:01**
